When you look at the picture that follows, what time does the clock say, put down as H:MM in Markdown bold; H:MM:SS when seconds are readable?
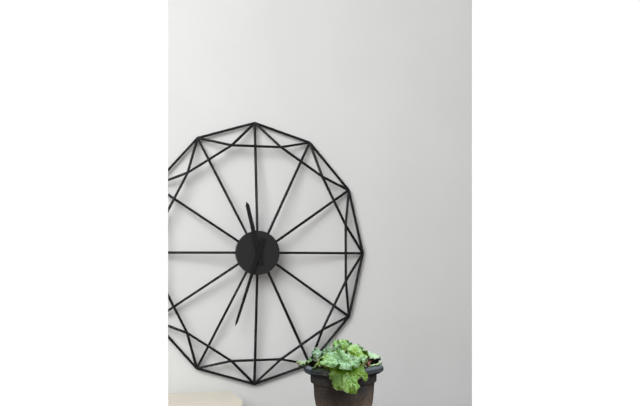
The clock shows **11:33**
